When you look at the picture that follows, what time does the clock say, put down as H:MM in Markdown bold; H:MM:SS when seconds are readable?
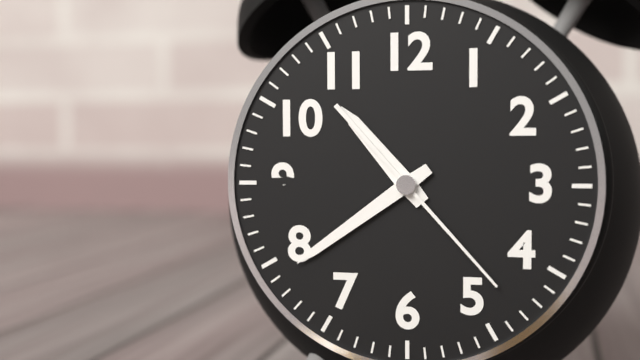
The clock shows **10:39:23**
